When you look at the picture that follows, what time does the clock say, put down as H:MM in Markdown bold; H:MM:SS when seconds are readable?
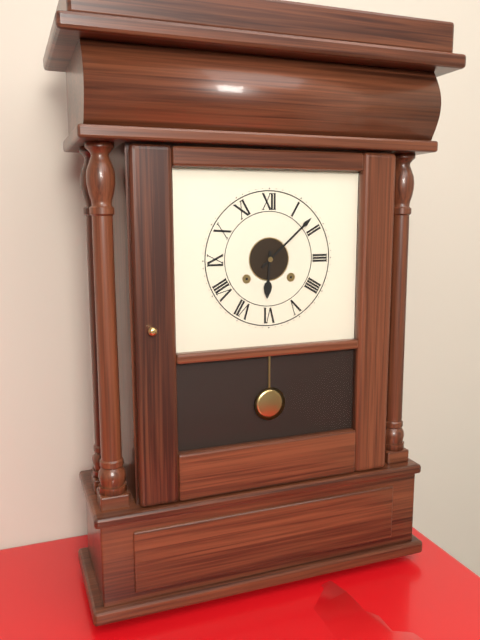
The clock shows **6:08**
